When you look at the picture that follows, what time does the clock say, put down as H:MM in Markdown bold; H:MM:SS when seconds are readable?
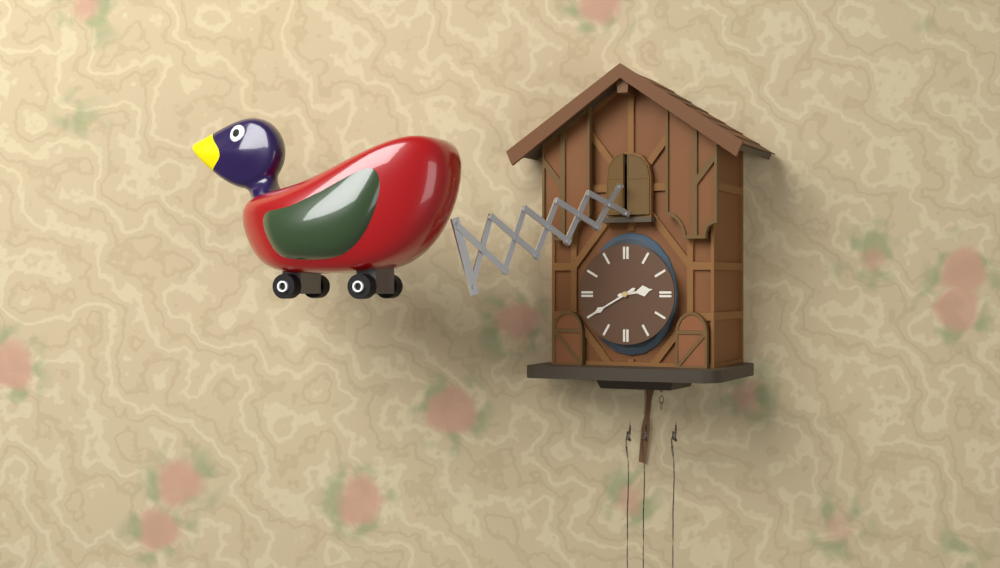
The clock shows **2:40**
